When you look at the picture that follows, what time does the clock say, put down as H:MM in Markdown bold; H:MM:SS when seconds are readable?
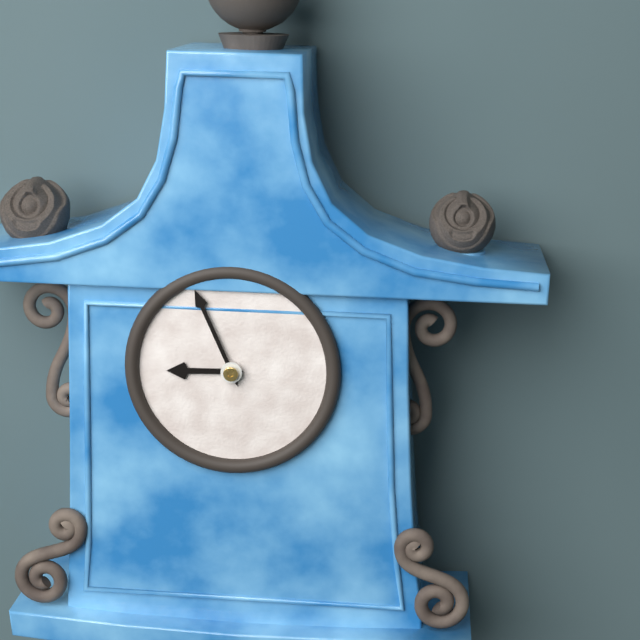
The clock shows **8:56**
